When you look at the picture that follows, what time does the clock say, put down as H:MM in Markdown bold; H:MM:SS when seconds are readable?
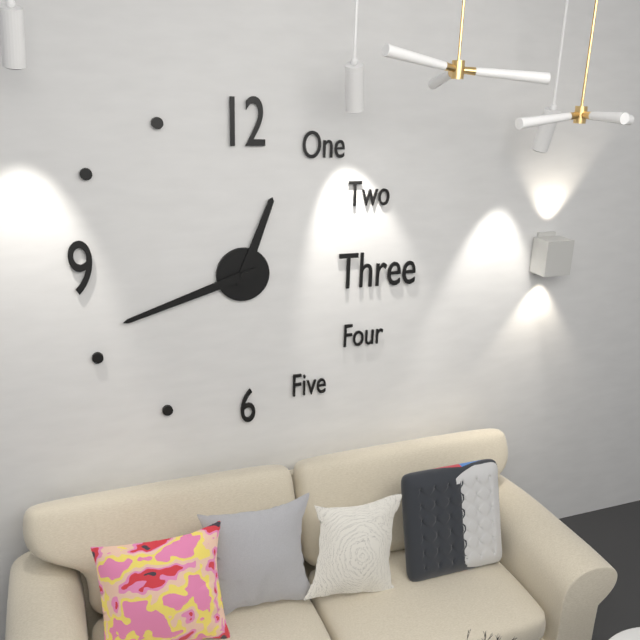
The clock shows **12:42**
